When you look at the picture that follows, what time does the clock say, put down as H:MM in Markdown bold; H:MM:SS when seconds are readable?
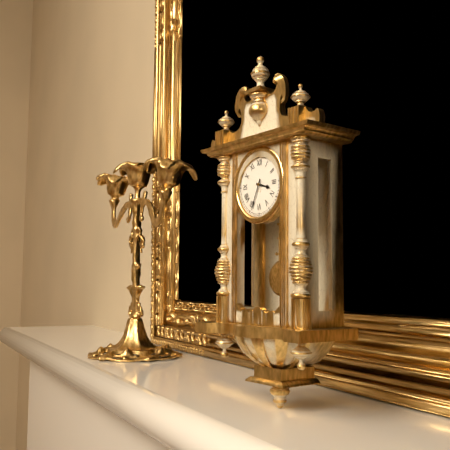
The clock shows **3:34**
